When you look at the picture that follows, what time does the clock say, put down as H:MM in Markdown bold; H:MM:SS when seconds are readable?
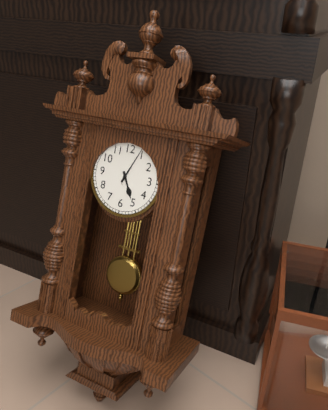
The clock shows **5:04**
